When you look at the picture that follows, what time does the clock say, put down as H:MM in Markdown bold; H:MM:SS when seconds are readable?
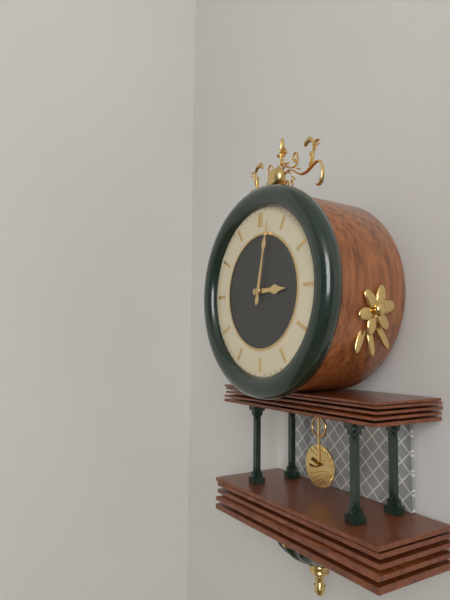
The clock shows **3:02**
